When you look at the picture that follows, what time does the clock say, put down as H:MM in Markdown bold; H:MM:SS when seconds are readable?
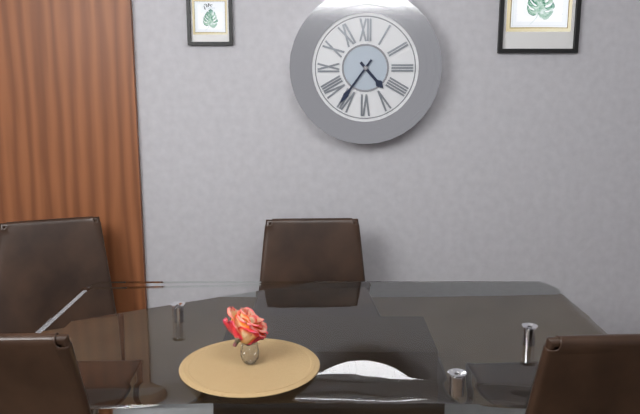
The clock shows **4:36**
